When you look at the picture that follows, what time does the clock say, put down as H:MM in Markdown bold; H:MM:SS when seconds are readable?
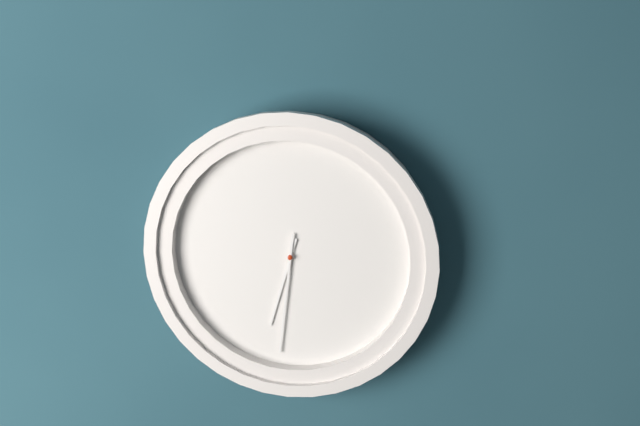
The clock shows **6:31**
